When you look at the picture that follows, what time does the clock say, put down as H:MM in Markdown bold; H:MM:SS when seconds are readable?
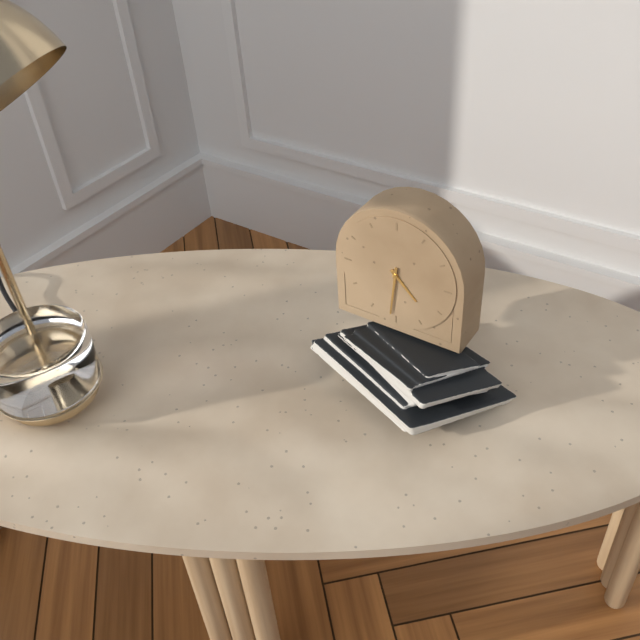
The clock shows **4:31**
